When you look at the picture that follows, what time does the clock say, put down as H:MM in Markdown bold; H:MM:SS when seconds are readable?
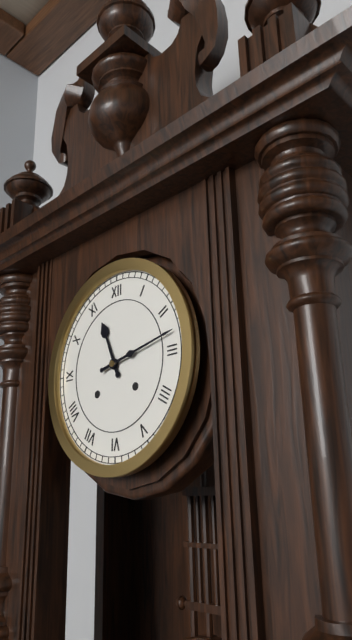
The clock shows **11:13**
